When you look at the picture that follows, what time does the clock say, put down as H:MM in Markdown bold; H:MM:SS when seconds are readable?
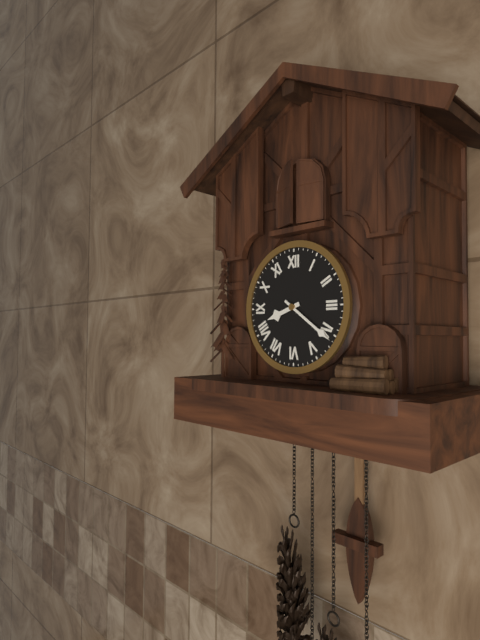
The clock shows **8:21**
